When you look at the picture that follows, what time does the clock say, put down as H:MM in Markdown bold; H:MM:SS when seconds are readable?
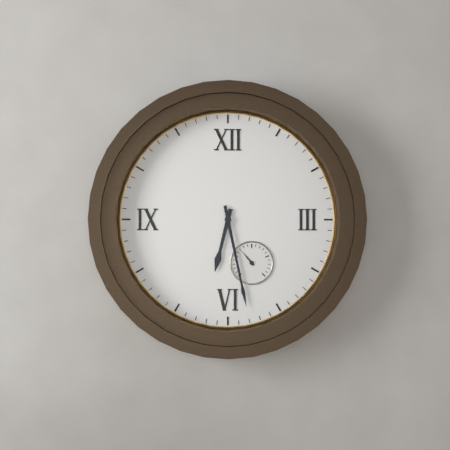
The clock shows **6:28**
